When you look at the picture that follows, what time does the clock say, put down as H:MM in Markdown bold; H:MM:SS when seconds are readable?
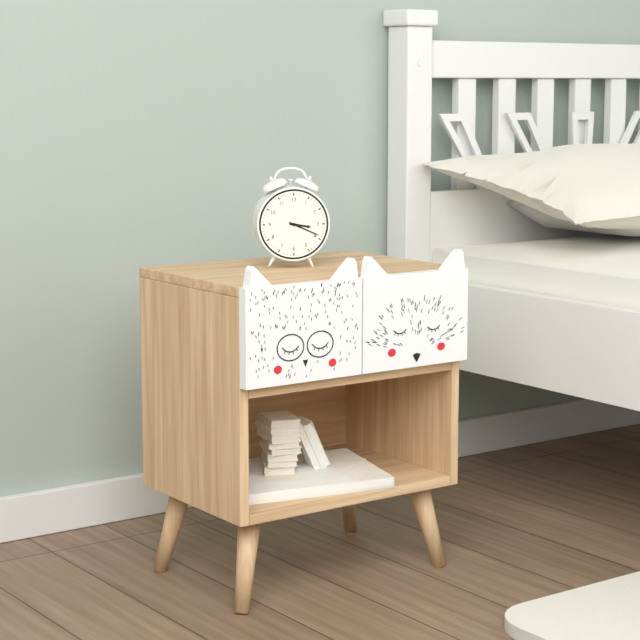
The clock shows **3:19**
